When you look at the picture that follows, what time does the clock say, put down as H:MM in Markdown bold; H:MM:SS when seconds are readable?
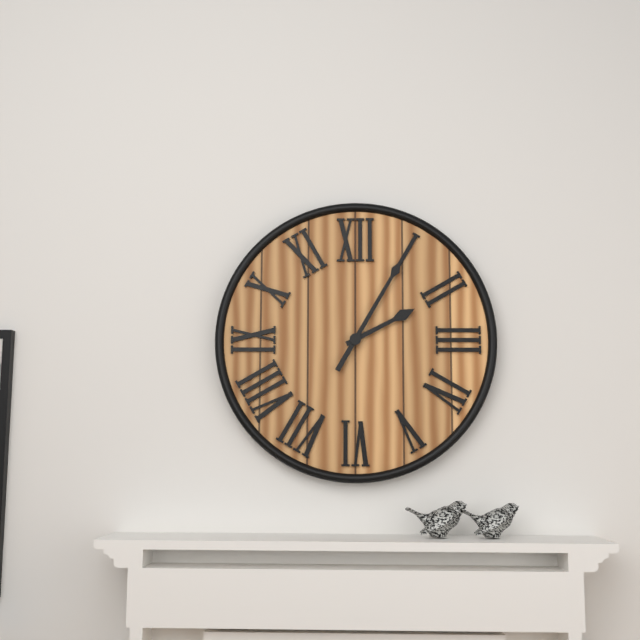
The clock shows **2:05**
